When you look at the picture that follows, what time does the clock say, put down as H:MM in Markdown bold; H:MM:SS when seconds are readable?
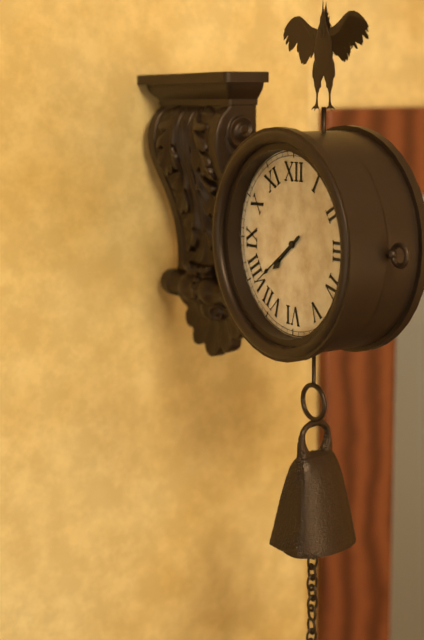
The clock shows **7:39**
